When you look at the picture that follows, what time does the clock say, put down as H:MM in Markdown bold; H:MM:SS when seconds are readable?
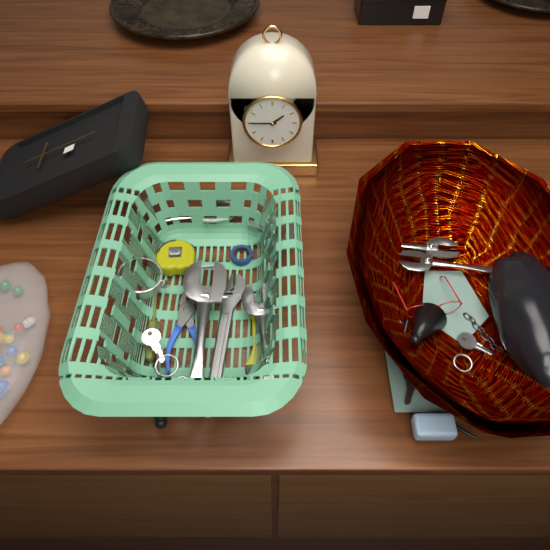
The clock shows **1:45**
